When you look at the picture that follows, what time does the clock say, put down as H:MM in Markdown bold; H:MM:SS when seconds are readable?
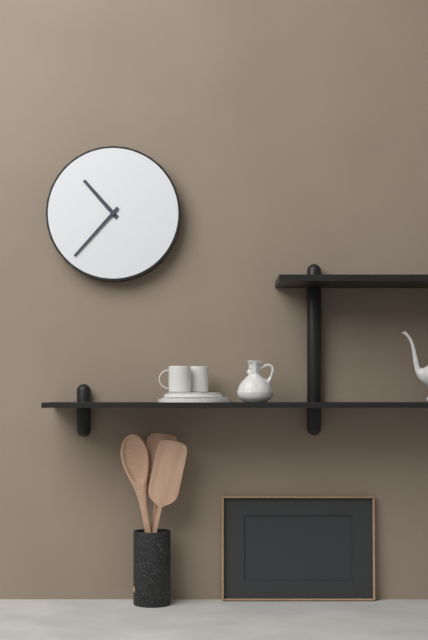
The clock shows **10:37**
